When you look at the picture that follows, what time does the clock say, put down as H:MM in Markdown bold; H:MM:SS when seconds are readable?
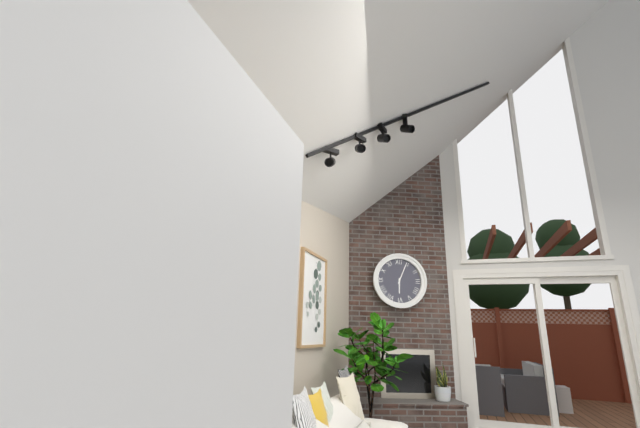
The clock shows **6:04**
